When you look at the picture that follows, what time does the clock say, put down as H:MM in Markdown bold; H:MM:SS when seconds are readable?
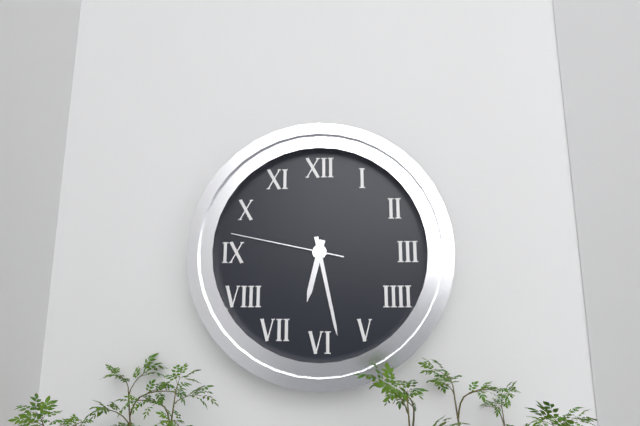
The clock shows **6:28:47**
